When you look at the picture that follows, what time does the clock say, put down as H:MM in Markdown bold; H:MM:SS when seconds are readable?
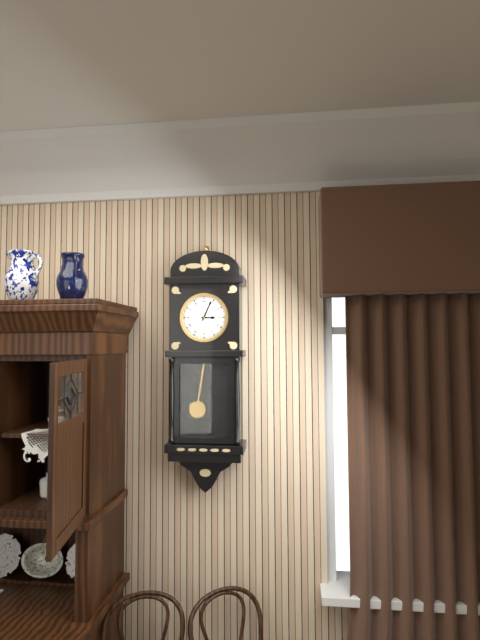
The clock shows **3:04**
